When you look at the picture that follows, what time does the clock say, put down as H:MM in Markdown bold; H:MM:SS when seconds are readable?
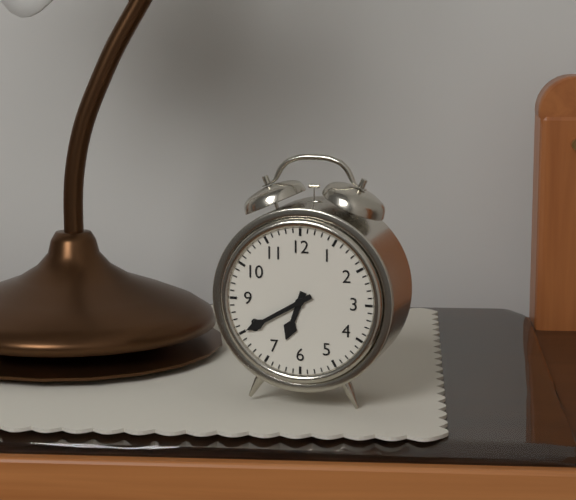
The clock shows **6:40**
